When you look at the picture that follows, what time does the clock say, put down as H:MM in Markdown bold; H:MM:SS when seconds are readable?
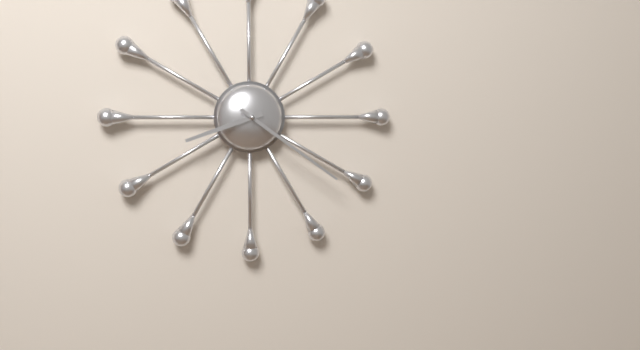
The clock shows **8:21**
